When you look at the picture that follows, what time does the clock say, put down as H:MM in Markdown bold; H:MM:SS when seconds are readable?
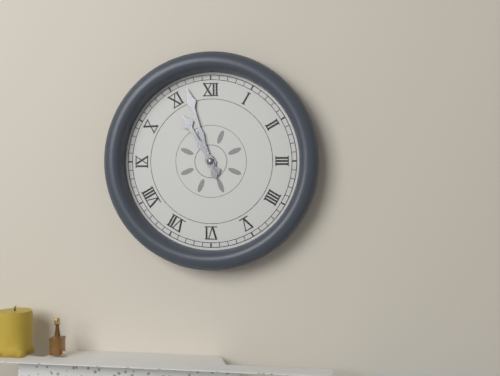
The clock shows **10:57**
